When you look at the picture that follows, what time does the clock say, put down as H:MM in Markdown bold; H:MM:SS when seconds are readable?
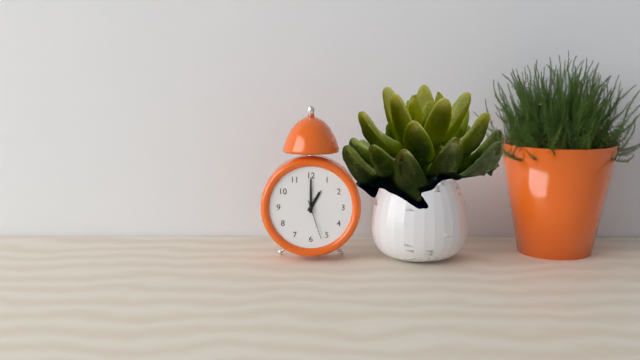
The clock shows **1:00**
